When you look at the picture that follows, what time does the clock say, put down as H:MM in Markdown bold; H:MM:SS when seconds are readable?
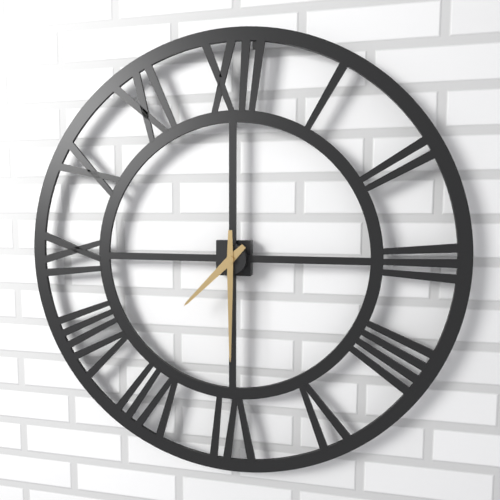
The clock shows **7:30**
